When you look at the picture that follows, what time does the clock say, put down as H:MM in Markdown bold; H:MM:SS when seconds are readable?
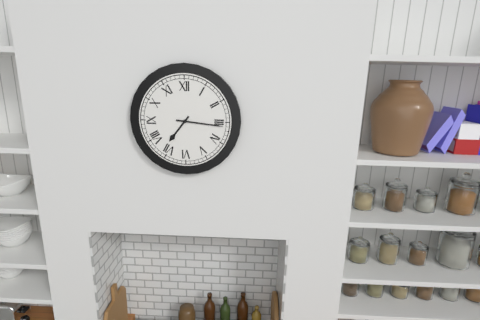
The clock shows **7:16**
